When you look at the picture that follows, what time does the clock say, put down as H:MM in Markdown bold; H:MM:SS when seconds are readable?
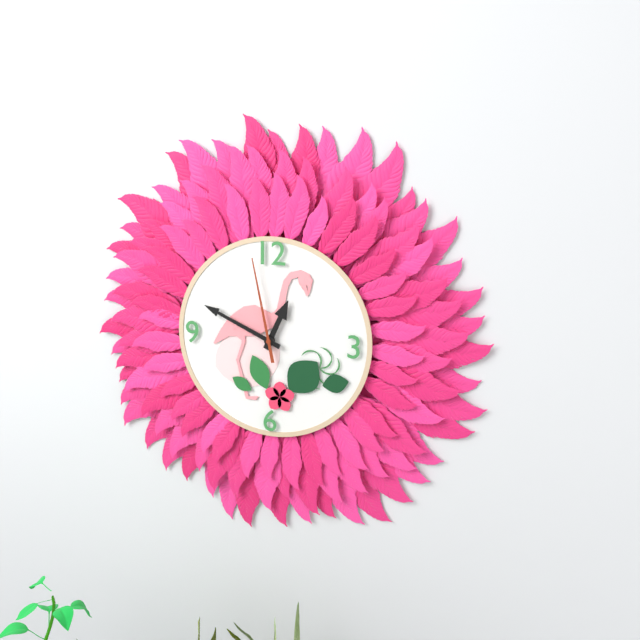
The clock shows **12:49:58**
